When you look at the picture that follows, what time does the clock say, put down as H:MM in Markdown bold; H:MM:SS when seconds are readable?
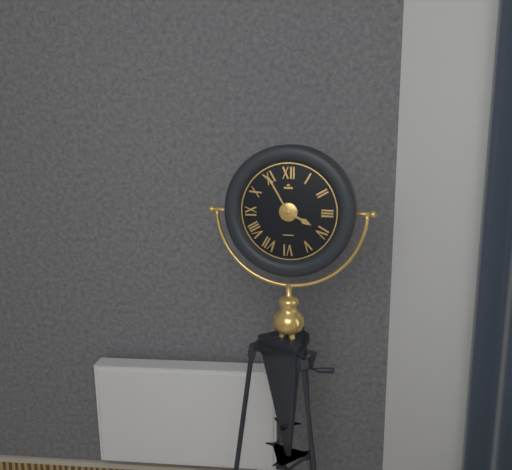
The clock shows **3:55**
